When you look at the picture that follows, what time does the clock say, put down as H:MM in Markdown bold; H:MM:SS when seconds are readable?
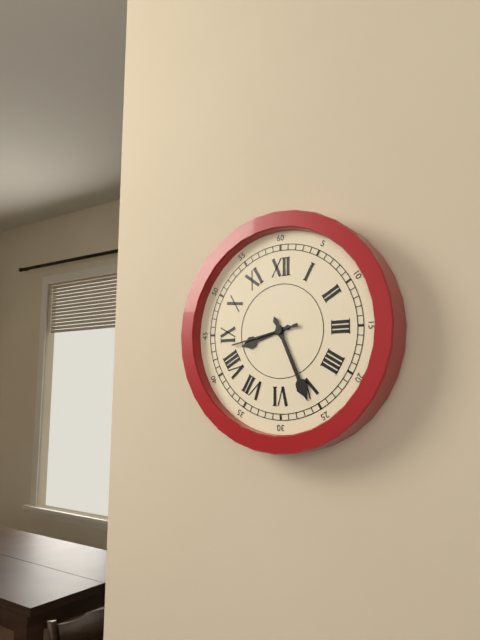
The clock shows **8:26:43**
